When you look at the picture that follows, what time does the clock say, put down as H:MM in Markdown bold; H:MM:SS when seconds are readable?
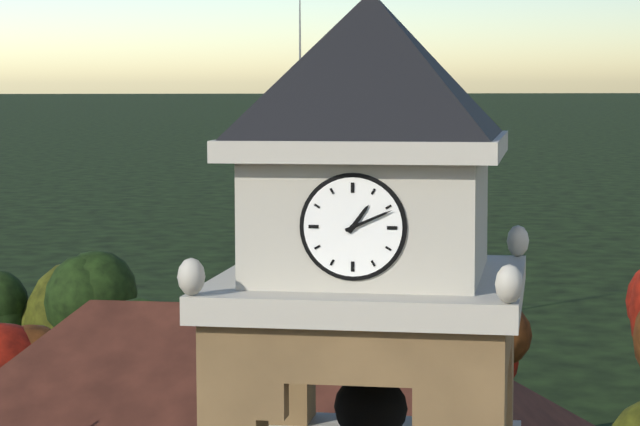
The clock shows **1:11**
